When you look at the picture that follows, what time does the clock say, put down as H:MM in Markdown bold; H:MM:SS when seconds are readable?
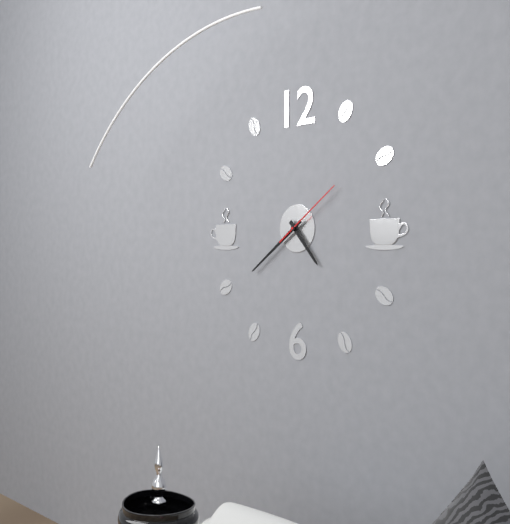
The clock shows **4:39:09**
